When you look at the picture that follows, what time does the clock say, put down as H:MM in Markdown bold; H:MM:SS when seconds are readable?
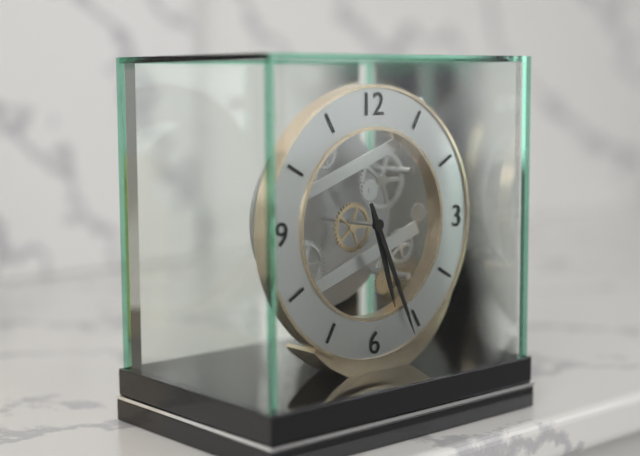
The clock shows **5:26**
